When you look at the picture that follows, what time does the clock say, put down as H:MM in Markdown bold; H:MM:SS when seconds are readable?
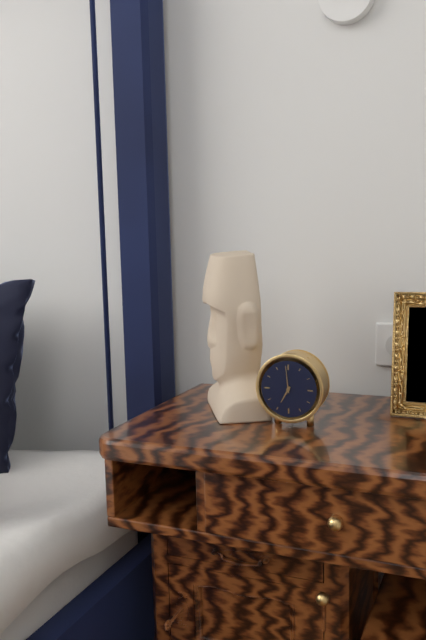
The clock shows **6:59**
